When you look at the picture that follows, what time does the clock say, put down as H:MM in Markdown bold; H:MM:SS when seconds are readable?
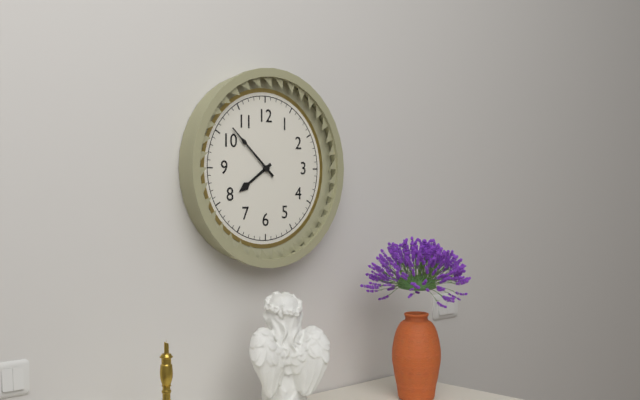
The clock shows **7:52**
